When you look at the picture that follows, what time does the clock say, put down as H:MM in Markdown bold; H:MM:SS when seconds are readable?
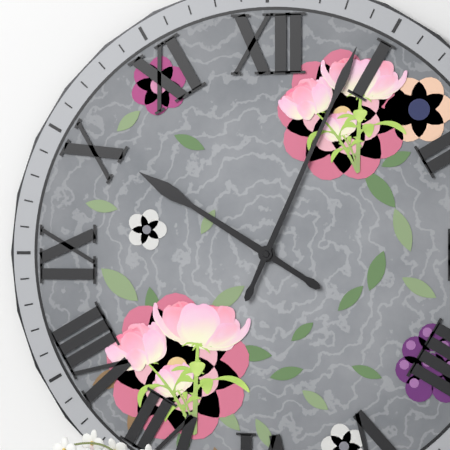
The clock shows **10:04**
